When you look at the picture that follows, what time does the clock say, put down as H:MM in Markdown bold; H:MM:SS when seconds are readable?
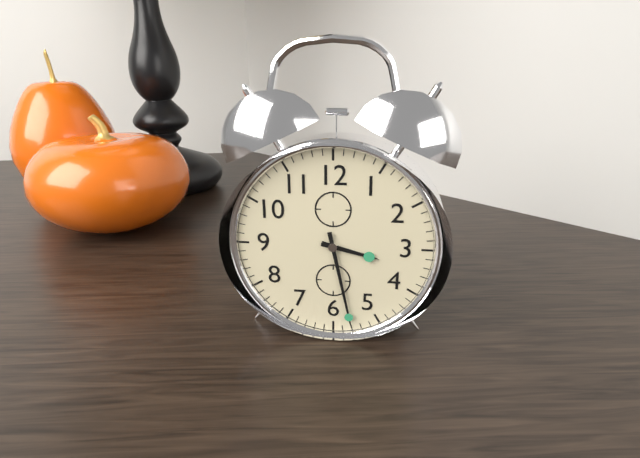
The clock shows **3:28**
